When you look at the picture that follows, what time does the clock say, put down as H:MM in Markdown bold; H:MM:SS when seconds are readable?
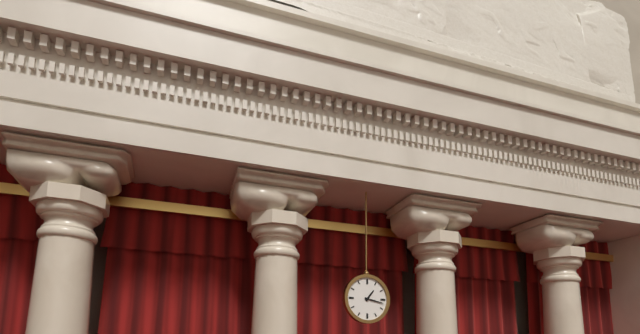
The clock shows **1:17**
